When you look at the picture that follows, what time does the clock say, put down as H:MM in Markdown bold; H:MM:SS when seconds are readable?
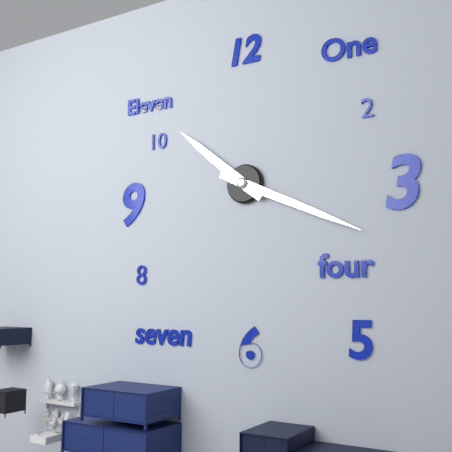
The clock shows **10:19**
